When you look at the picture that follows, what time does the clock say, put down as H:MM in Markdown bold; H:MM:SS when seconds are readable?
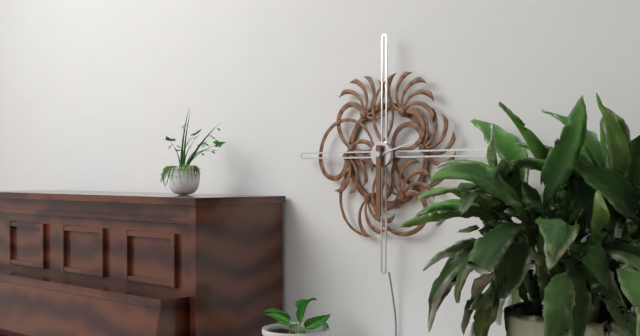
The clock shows **2:30**
